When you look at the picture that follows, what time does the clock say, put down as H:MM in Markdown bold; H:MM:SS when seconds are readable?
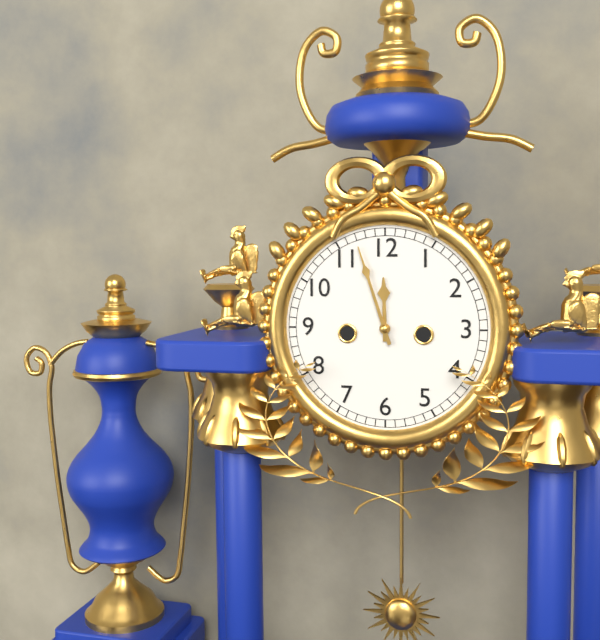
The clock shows **11:57**
